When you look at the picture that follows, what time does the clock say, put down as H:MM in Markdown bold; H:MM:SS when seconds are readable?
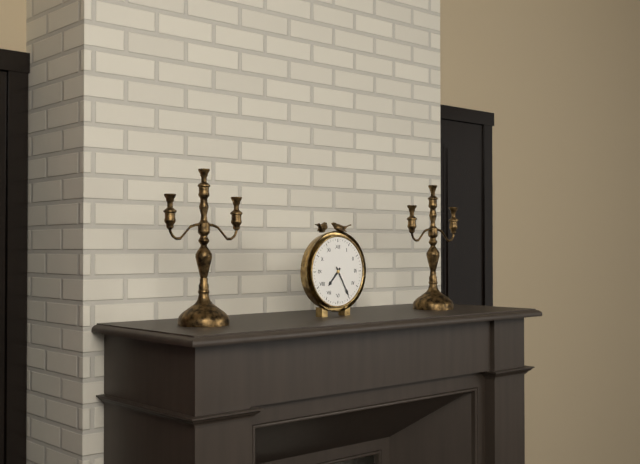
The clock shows **7:25**
